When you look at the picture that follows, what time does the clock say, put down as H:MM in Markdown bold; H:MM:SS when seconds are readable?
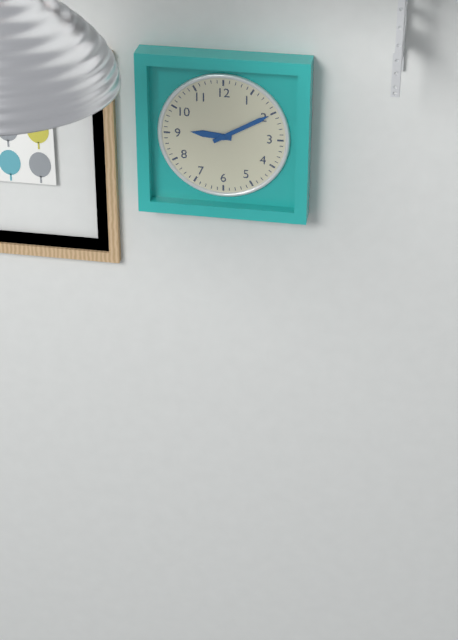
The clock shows **9:10**
